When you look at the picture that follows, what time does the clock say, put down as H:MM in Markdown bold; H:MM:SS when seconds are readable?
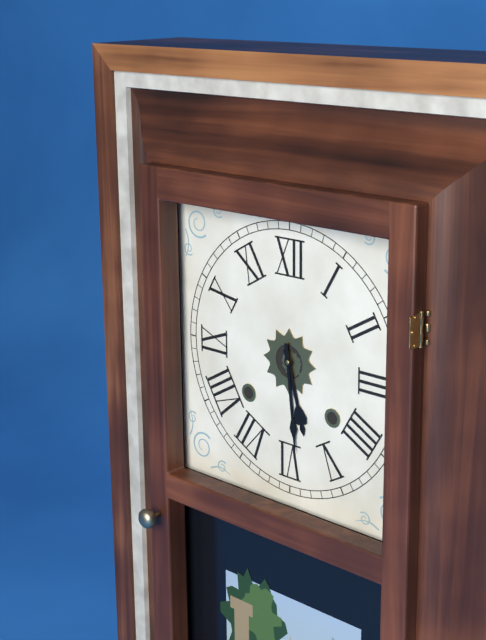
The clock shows **5:29**
